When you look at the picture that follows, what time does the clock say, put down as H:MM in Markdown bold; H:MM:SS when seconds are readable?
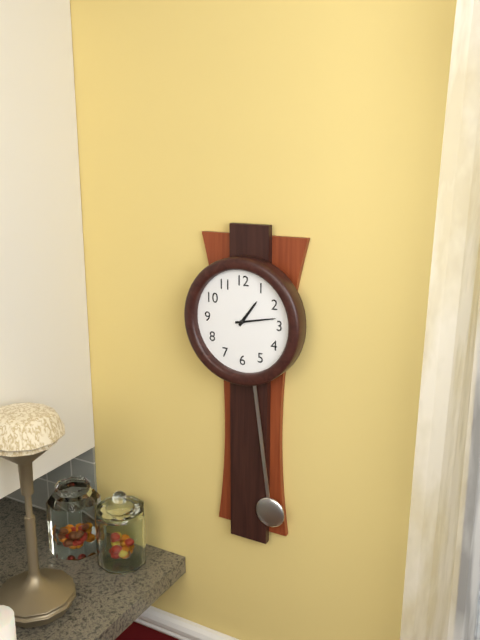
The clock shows **1:13**
